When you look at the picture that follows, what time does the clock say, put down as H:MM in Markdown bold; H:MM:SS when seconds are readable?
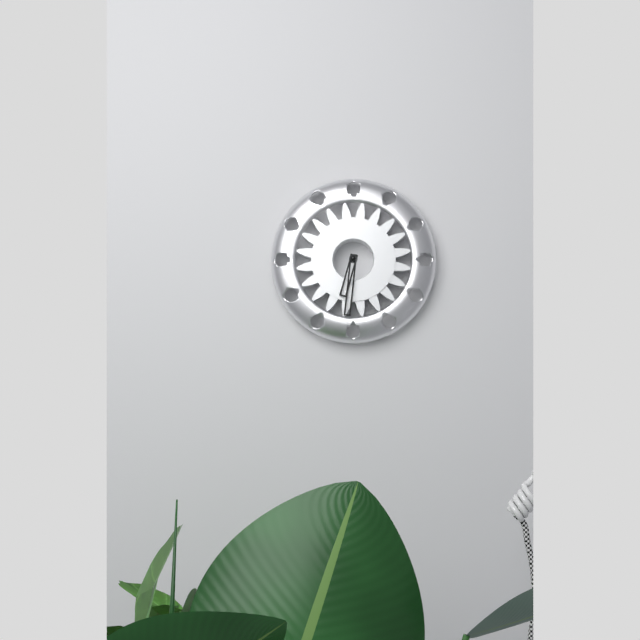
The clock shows **6:31**
